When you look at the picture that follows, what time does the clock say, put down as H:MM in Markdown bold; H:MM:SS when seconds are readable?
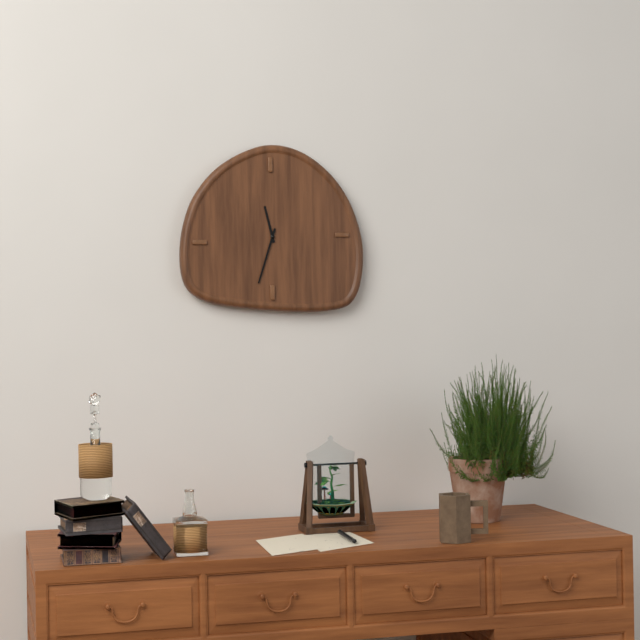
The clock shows **11:33**
